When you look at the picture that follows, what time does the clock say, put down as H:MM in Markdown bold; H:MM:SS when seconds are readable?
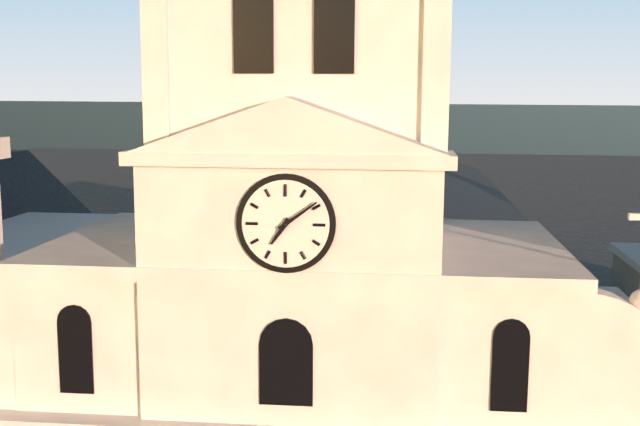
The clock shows **7:09**
